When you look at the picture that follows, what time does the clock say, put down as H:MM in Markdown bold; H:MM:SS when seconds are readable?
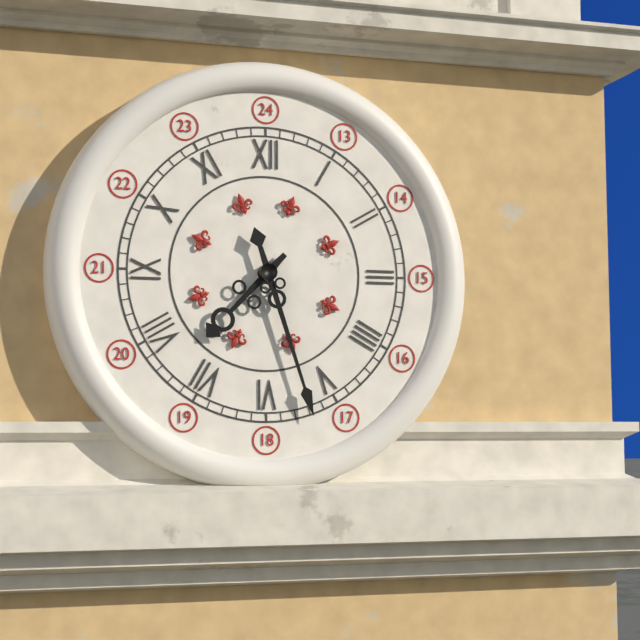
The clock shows **7:27**
